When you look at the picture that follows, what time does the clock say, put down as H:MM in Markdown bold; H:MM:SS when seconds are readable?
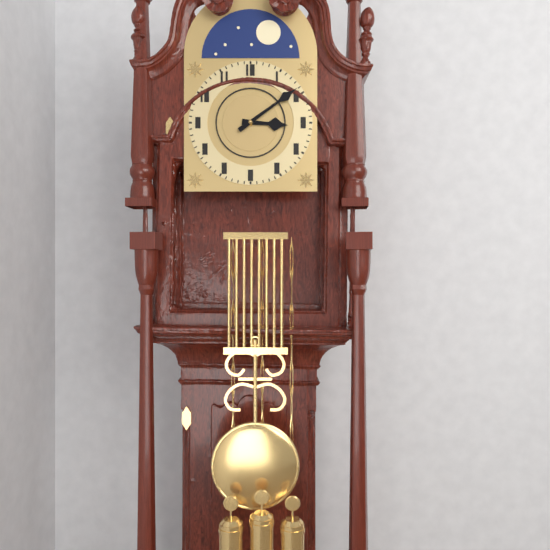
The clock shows **3:09**
